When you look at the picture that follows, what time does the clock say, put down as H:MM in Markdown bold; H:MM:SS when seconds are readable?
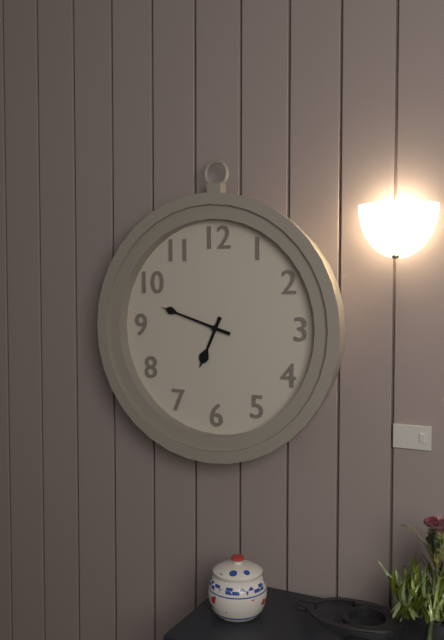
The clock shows **6:48**
